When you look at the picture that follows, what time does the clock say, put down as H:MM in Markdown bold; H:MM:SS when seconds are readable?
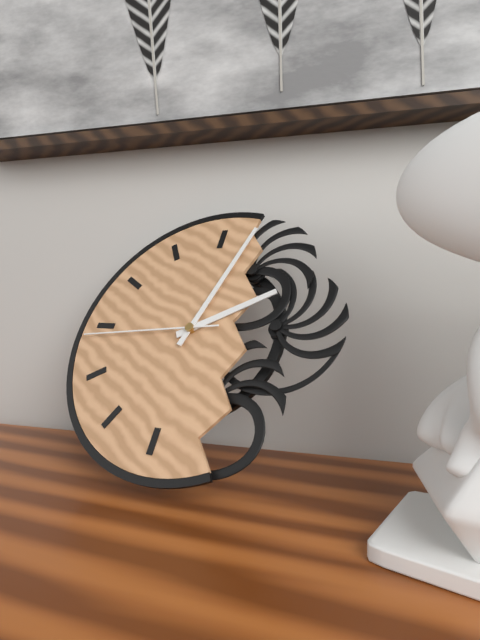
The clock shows **2:03:44**
